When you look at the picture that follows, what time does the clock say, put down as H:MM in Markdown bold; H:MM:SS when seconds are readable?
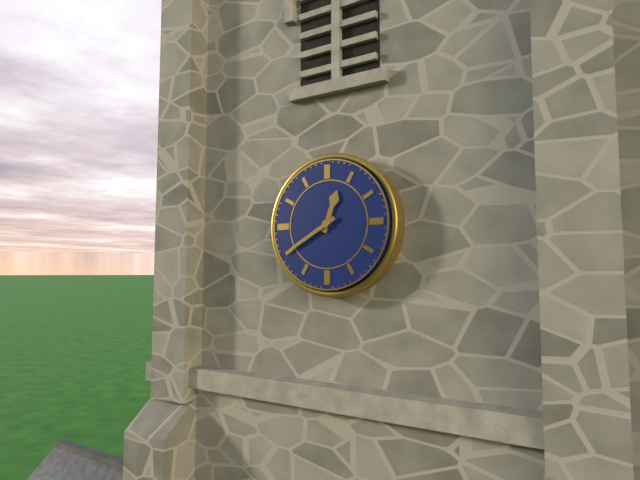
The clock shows **12:40**
